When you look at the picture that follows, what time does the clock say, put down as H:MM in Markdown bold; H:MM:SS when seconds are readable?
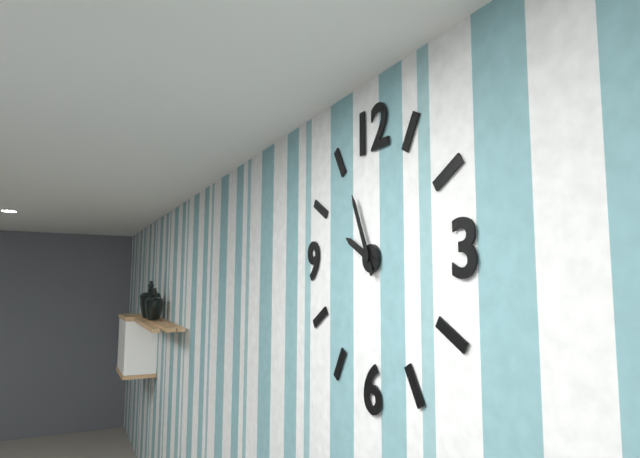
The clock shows **9:56**
